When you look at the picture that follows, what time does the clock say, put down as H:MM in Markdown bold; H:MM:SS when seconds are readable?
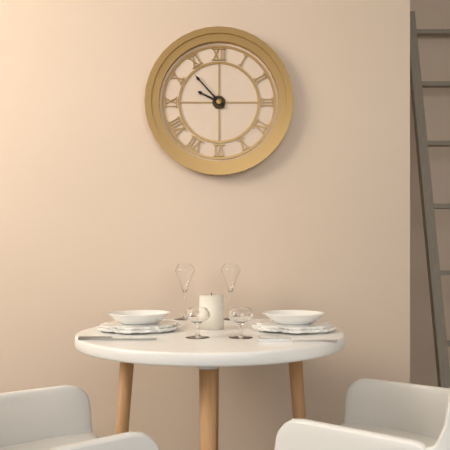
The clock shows **9:53**
